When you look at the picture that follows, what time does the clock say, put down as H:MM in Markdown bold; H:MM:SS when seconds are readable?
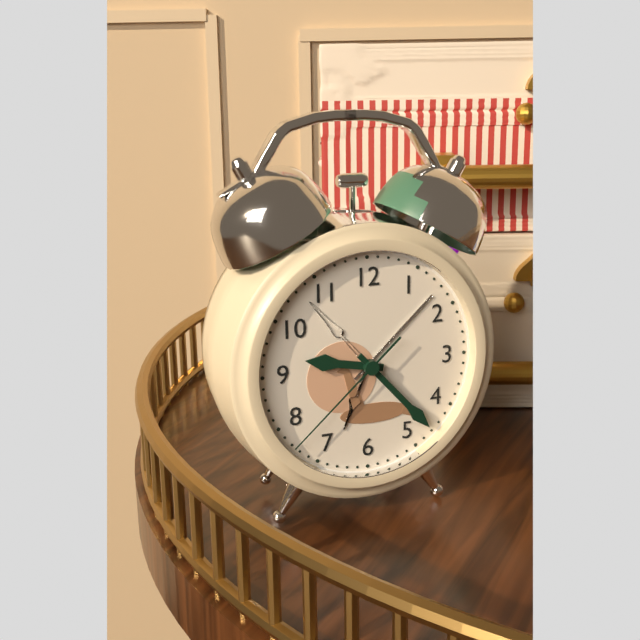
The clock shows **9:23:38**
